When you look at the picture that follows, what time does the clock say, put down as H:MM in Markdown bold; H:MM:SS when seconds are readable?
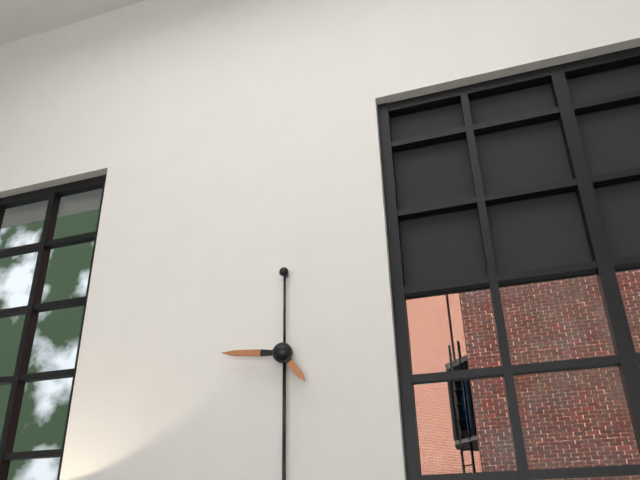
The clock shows **4:46**
